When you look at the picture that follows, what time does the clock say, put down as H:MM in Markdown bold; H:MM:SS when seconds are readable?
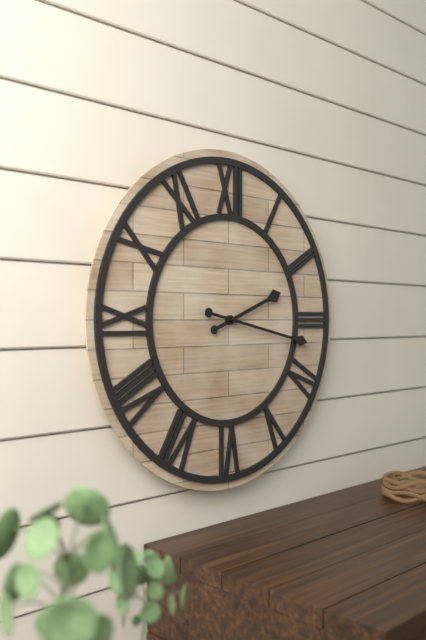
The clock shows **2:17**
